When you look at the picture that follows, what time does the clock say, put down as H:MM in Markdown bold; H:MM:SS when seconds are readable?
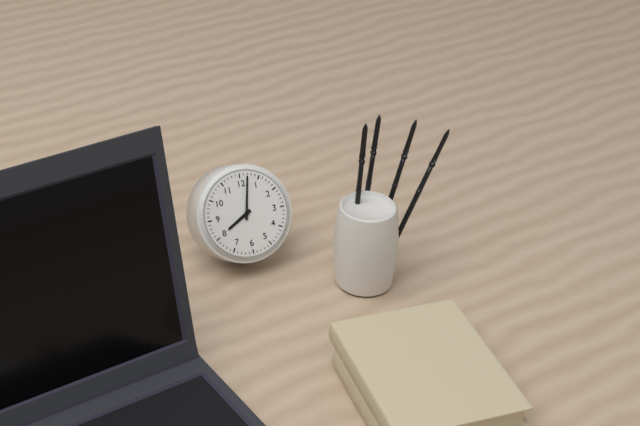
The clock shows **8:02**
